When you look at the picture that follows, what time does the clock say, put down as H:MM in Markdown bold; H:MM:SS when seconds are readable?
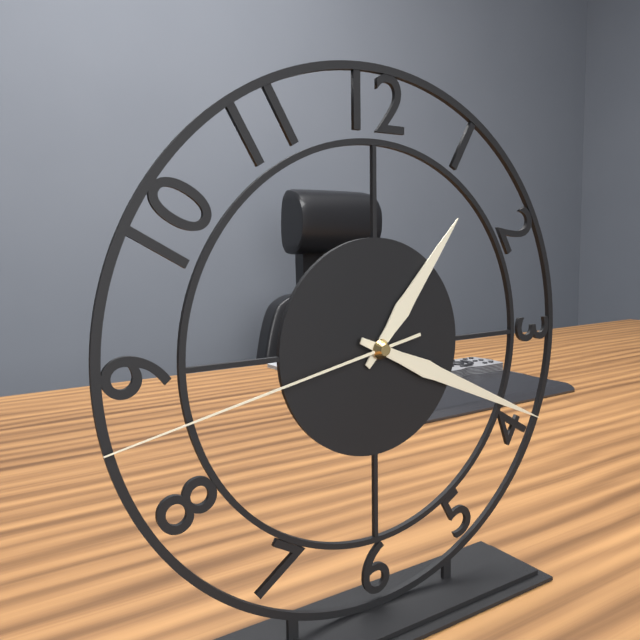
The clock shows **1:19:43**
